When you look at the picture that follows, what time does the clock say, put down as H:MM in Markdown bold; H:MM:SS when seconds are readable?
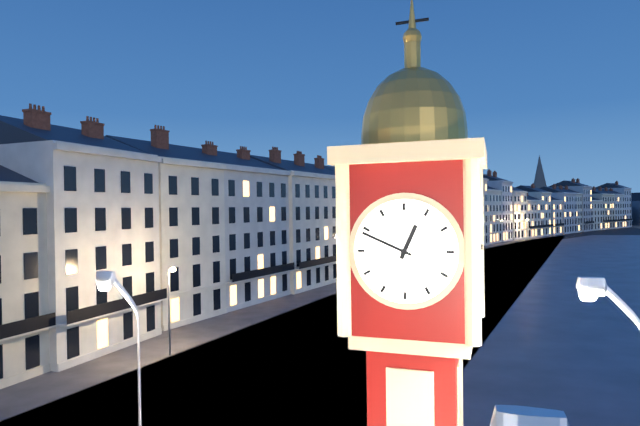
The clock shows **12:49**
